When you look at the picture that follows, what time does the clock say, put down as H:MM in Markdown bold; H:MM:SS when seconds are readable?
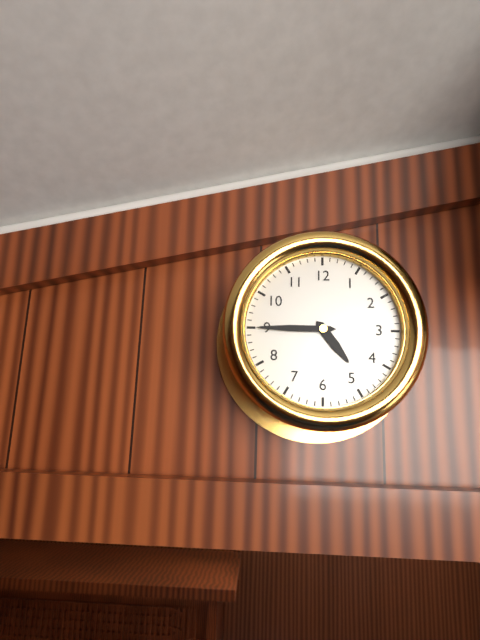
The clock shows **4:45**
